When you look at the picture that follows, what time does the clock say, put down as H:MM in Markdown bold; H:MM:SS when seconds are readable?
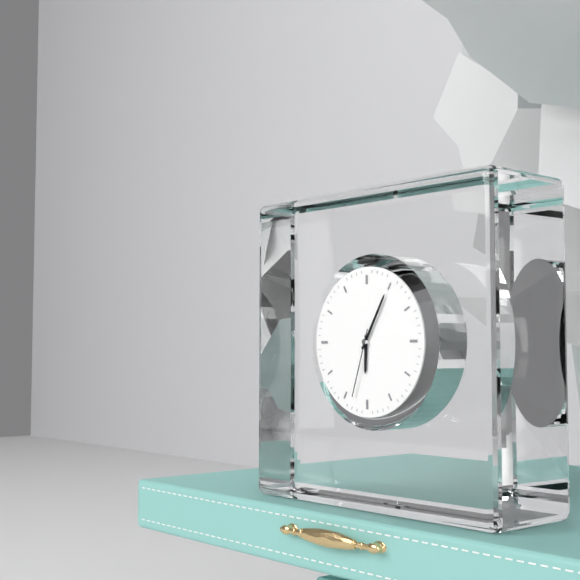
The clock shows **6:05:33**
